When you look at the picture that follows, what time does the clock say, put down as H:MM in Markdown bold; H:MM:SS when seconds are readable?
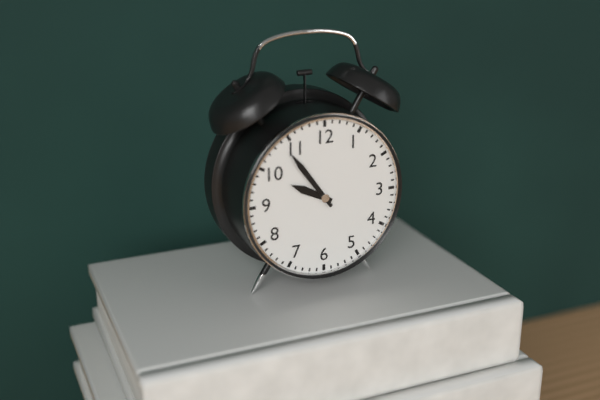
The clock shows **9:54**
